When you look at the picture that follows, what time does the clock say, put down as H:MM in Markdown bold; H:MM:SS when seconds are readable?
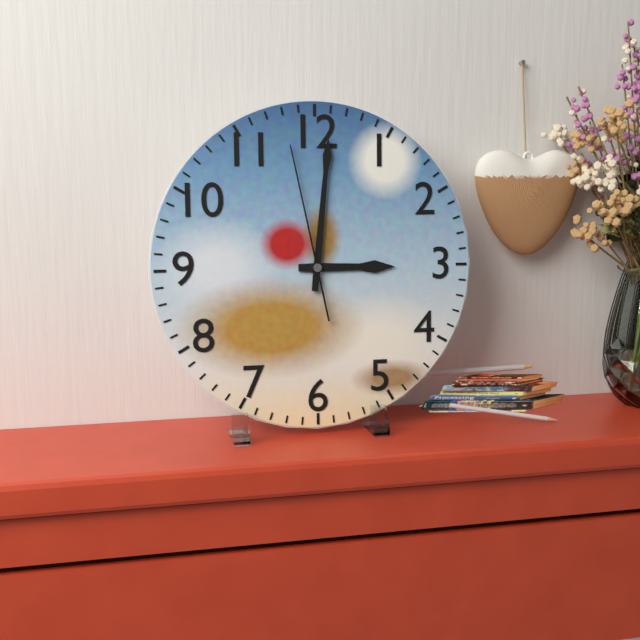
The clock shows **3:01:58**
